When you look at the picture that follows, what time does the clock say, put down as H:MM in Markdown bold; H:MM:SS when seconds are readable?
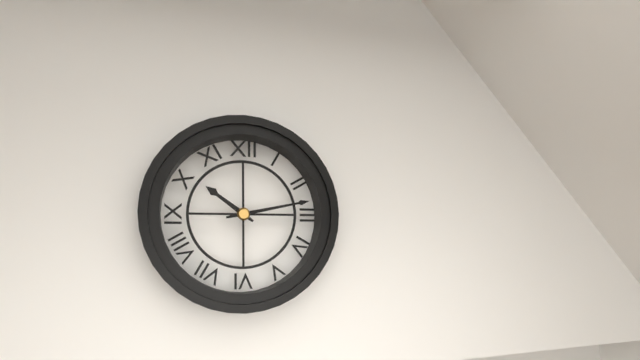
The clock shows **10:13**
